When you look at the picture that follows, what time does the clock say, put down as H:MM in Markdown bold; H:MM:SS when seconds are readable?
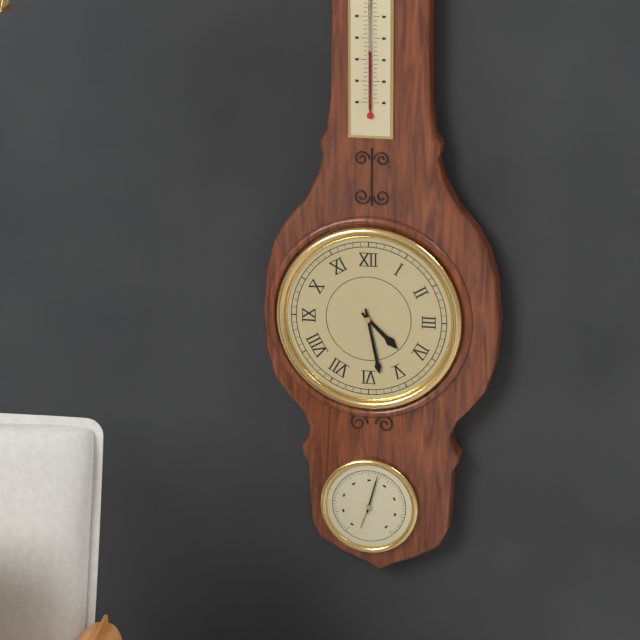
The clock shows **4:28**
